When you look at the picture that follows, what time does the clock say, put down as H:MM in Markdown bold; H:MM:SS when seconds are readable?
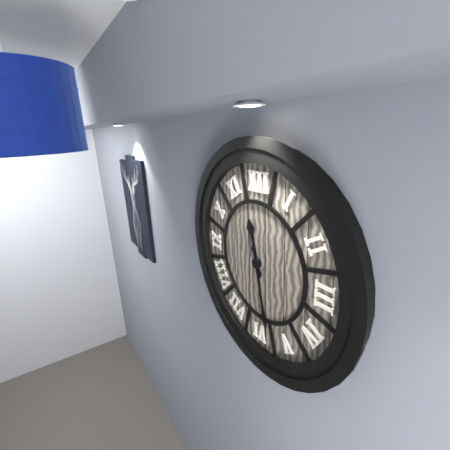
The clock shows **11:28**
